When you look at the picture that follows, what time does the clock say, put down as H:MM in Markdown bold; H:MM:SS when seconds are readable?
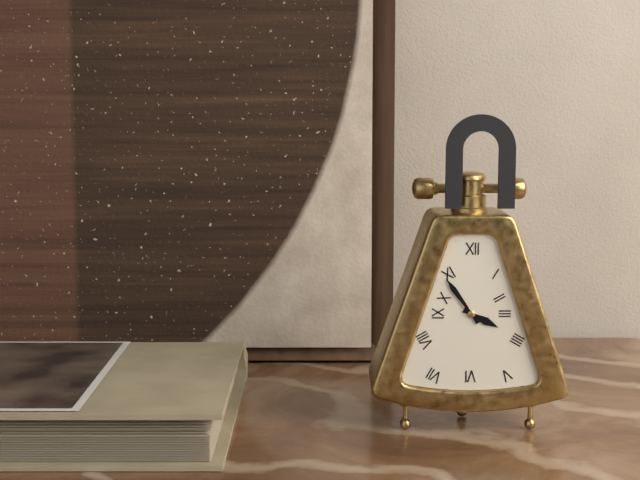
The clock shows **3:54**
